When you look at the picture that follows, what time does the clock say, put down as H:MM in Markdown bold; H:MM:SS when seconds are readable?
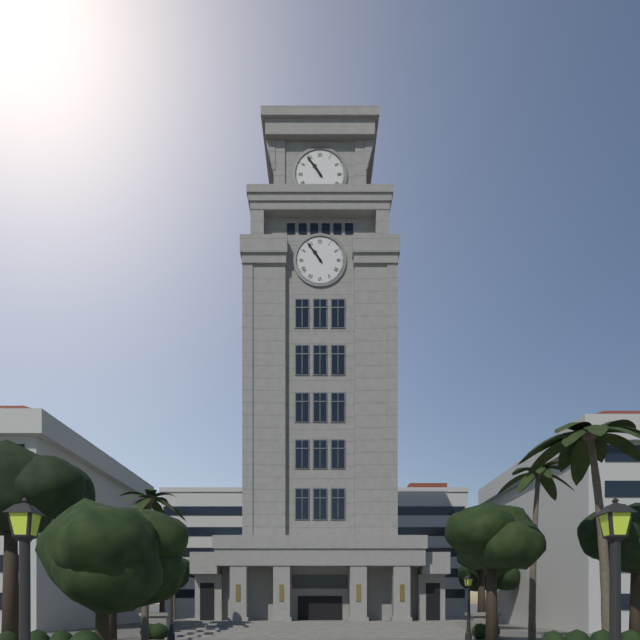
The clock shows **10:54**
